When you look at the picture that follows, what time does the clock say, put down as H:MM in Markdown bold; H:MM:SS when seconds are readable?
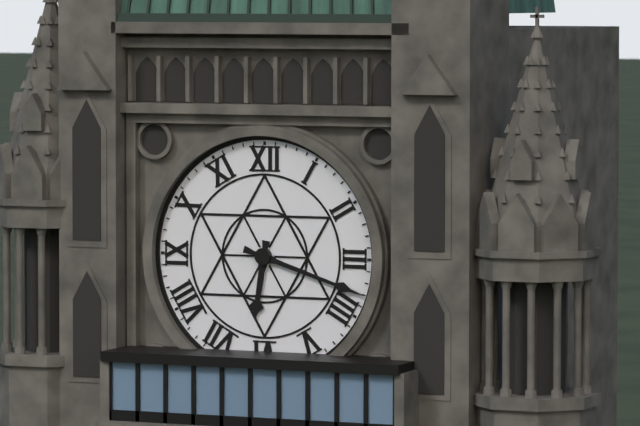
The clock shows **6:18**
